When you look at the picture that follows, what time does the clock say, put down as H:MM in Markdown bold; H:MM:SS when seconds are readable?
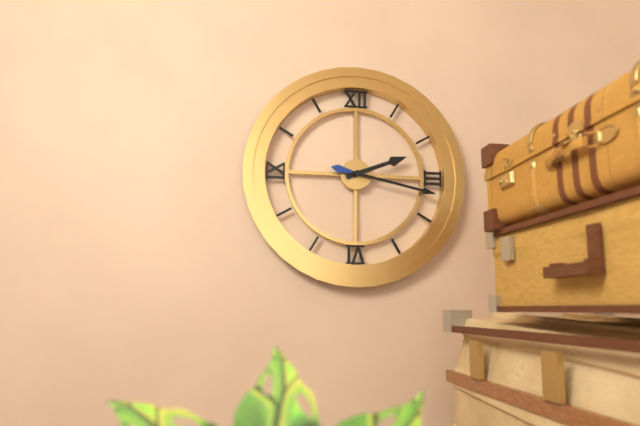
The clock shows **2:17**
